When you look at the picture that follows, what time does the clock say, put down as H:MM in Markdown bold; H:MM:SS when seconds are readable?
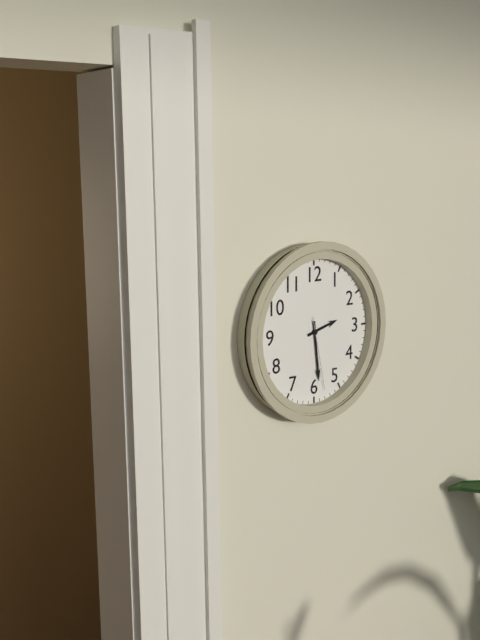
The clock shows **2:29:28**
